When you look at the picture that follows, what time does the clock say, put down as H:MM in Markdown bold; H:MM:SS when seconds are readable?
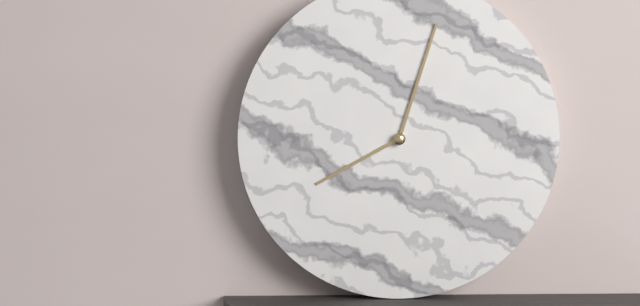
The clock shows **8:03**
